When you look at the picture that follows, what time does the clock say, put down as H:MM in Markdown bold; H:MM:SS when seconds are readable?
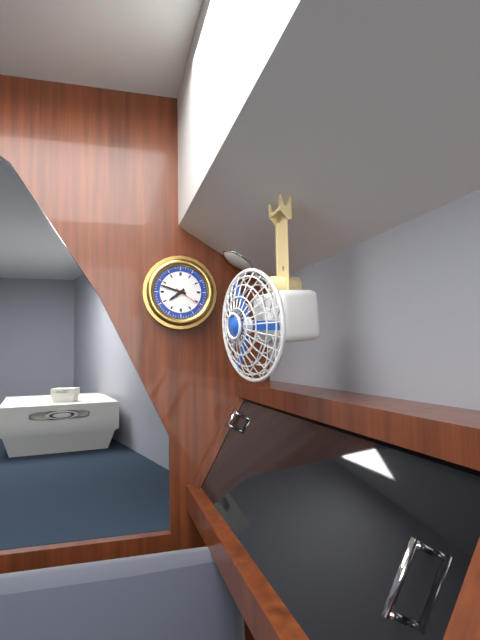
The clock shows **7:48**
